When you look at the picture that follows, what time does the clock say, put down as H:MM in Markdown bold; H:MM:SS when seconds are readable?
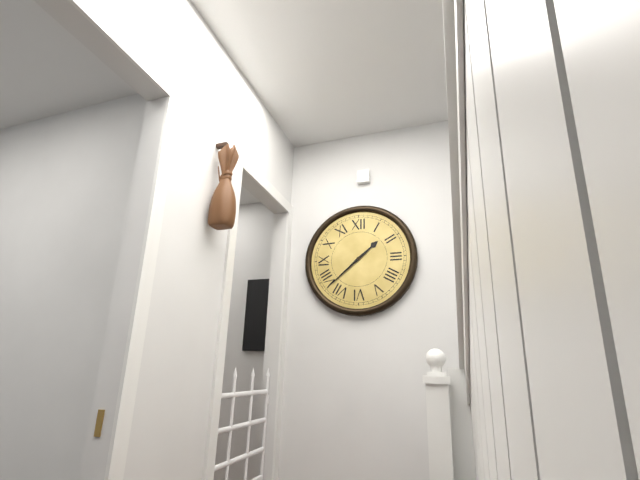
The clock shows **1:38**
